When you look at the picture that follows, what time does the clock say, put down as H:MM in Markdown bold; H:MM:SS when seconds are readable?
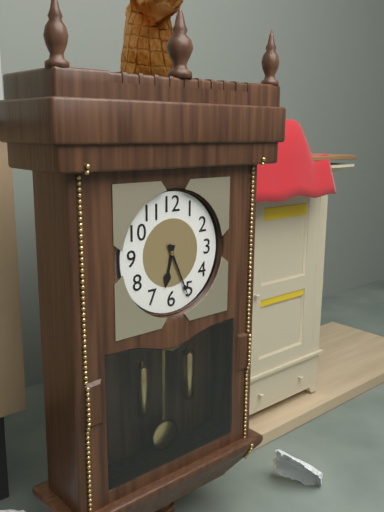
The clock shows **6:26**
